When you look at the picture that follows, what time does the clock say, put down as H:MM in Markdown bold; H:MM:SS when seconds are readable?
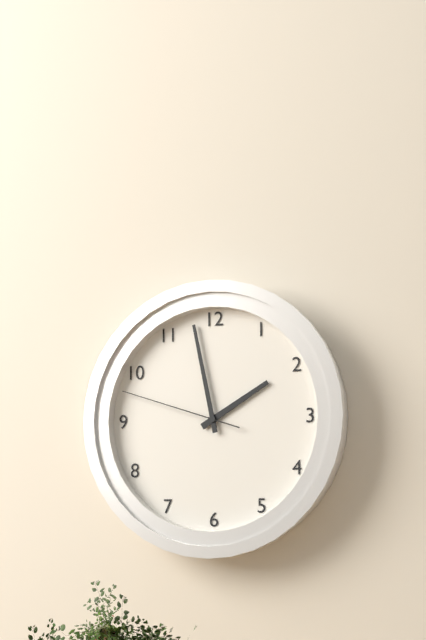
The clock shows **1:58:48**
